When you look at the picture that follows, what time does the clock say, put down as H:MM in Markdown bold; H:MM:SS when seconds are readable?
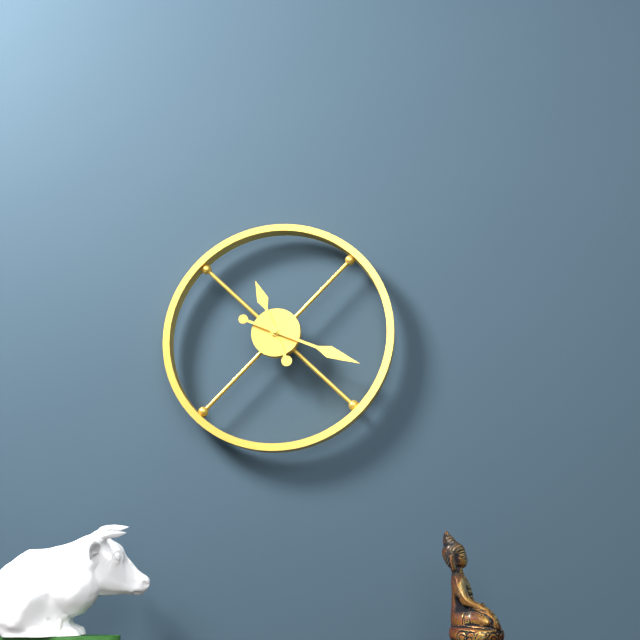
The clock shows **11:19**
